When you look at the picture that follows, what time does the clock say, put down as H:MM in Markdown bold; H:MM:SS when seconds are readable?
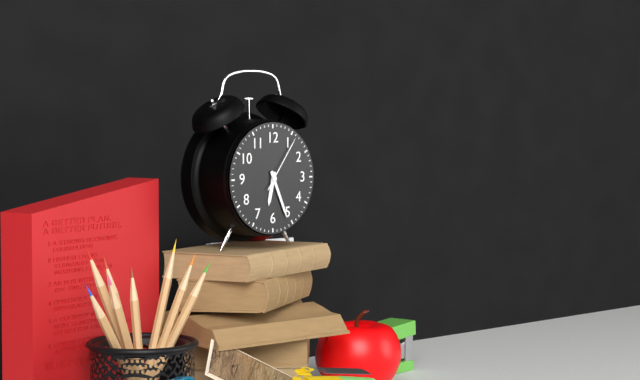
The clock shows **6:26:06**
